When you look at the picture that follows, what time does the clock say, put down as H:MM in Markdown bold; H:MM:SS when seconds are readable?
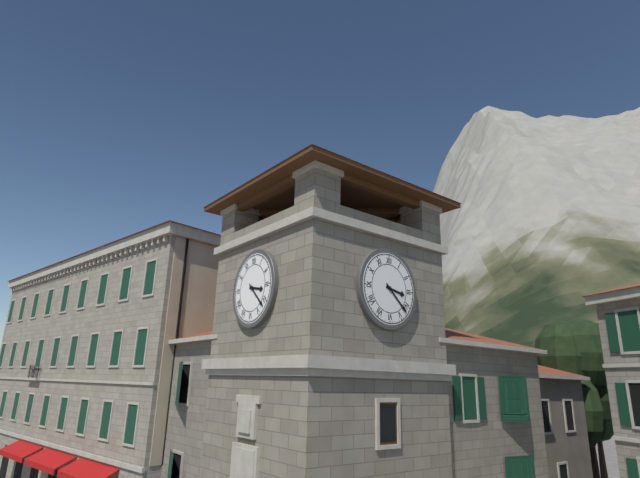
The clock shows **3:22**
